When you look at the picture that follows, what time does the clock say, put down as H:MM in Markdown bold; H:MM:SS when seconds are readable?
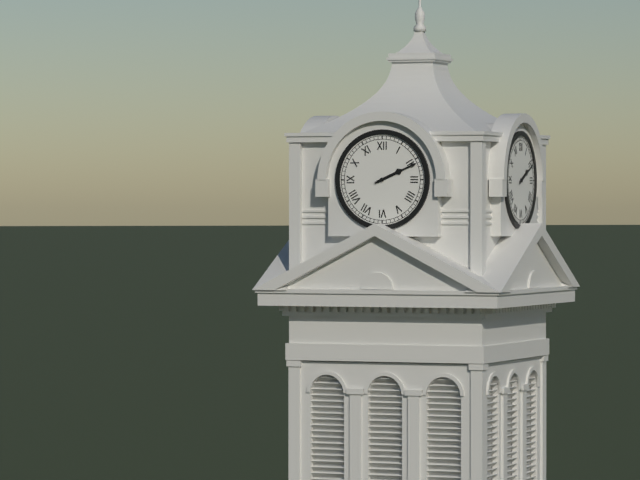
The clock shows **2:11**
